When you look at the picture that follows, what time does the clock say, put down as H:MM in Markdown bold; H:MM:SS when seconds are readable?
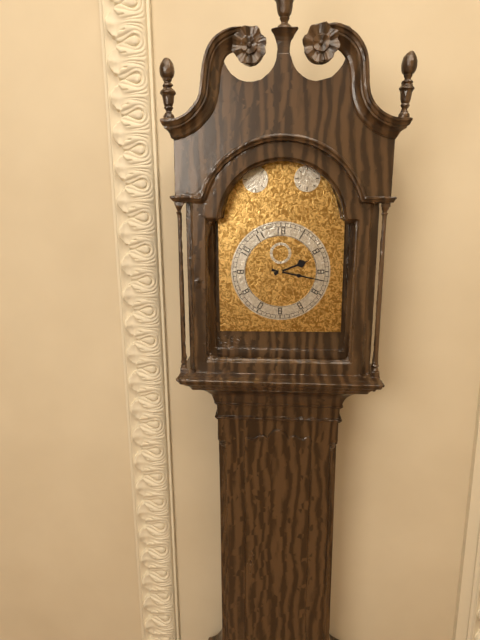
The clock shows **2:17**
